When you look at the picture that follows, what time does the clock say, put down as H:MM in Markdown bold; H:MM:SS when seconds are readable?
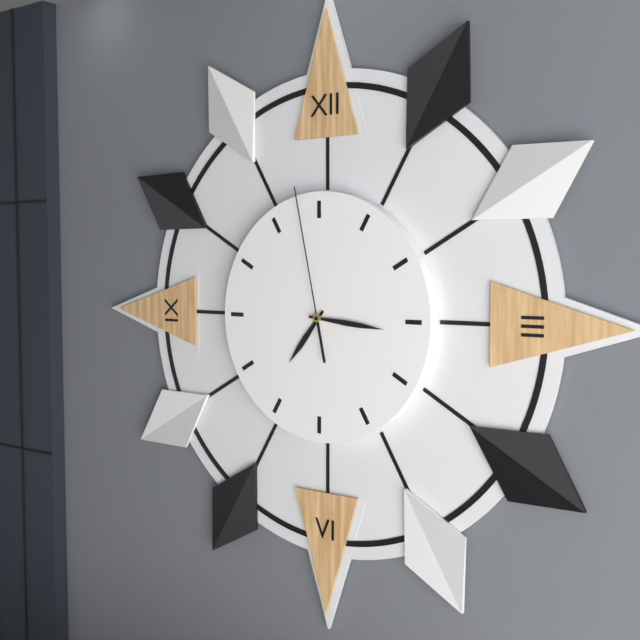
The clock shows **7:16:58**
